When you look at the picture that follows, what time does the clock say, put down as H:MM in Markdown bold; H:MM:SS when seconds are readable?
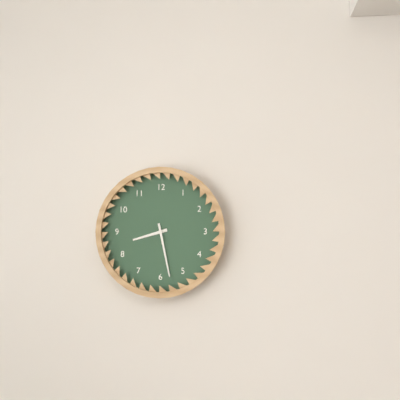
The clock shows **8:28**
